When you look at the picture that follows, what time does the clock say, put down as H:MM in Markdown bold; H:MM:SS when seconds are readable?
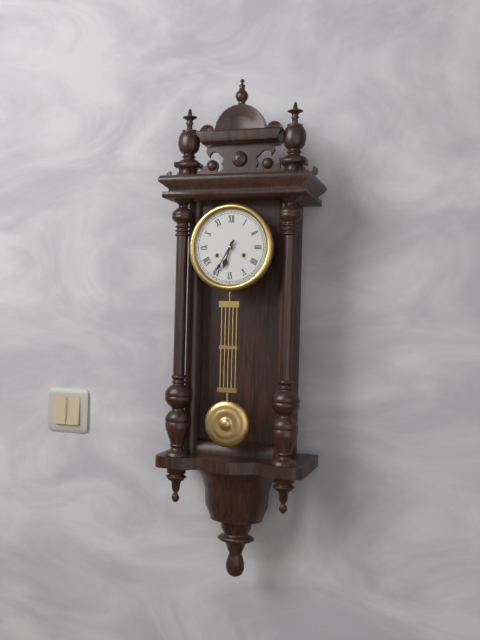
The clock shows **6:35**
